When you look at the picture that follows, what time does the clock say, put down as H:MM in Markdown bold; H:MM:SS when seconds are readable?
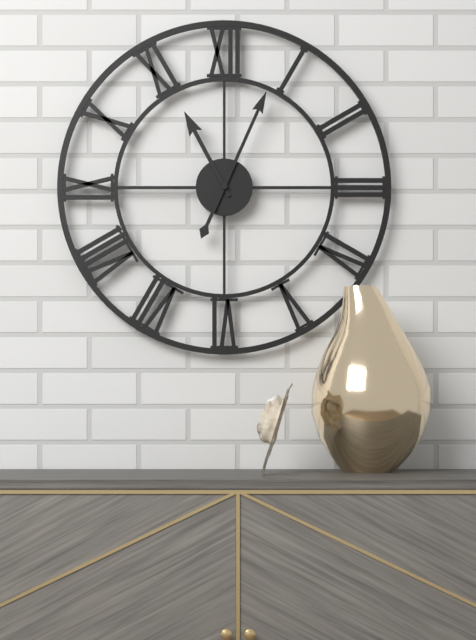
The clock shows **11:04**
